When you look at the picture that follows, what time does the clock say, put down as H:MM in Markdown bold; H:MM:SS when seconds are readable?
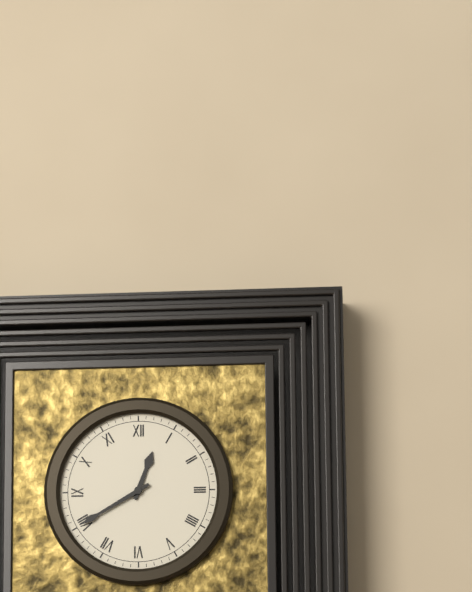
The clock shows **12:40**
